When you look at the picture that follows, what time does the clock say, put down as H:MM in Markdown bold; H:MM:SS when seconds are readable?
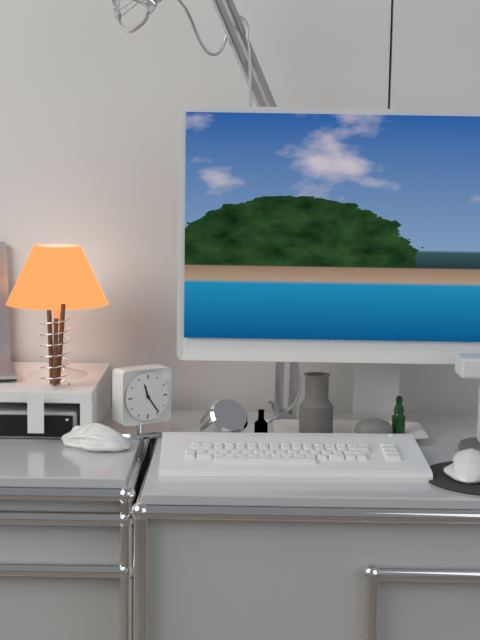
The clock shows **11:24**
